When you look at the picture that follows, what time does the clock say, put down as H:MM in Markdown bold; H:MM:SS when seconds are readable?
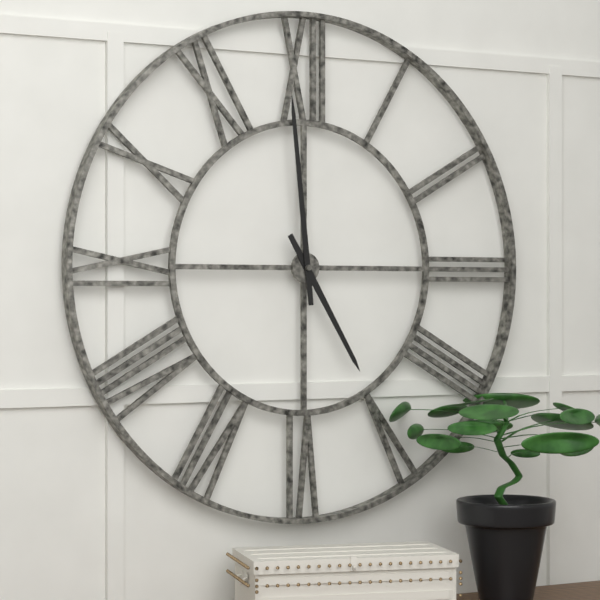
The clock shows **4:59**
